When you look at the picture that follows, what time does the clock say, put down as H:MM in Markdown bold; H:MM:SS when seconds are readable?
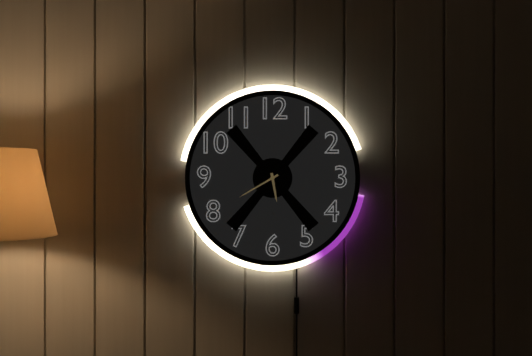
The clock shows **5:40**
